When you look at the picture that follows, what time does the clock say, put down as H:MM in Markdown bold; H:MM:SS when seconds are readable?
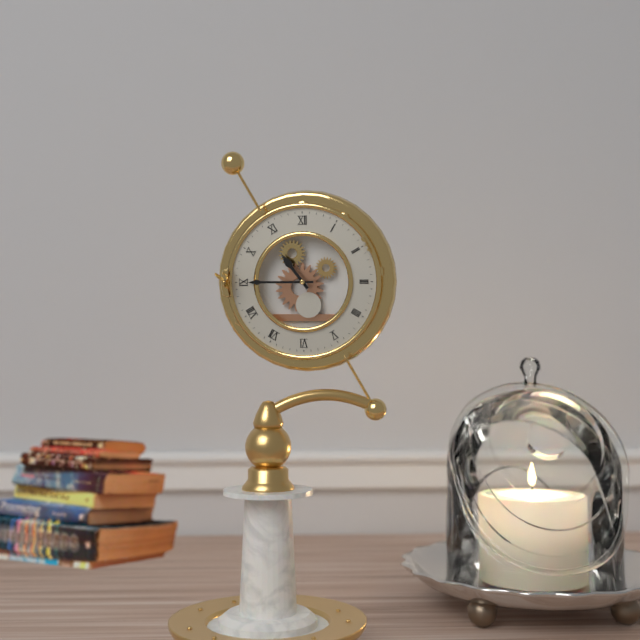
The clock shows **10:45**
